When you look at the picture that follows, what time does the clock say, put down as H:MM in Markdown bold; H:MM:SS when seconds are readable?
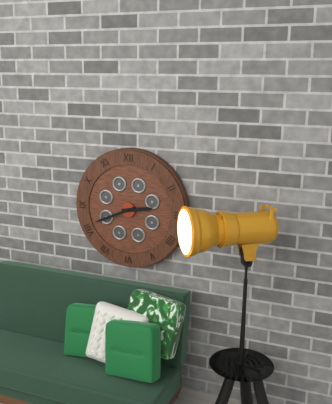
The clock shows **2:41**
